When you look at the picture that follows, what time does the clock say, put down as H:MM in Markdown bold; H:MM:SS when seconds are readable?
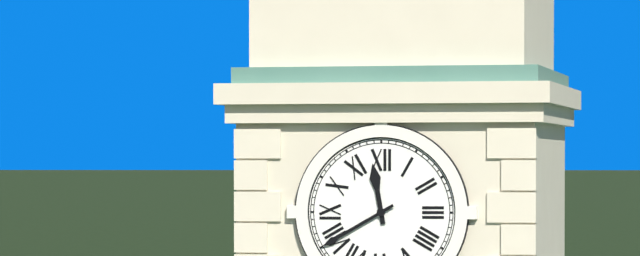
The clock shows **11:40**
